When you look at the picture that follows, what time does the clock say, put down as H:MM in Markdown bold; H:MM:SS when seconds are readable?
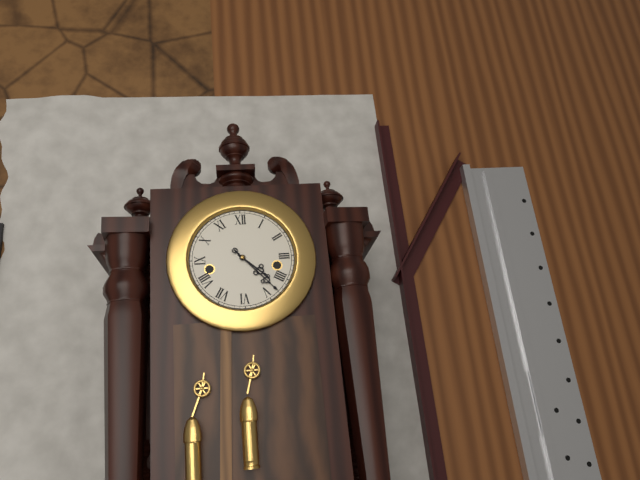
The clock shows **4:23**
